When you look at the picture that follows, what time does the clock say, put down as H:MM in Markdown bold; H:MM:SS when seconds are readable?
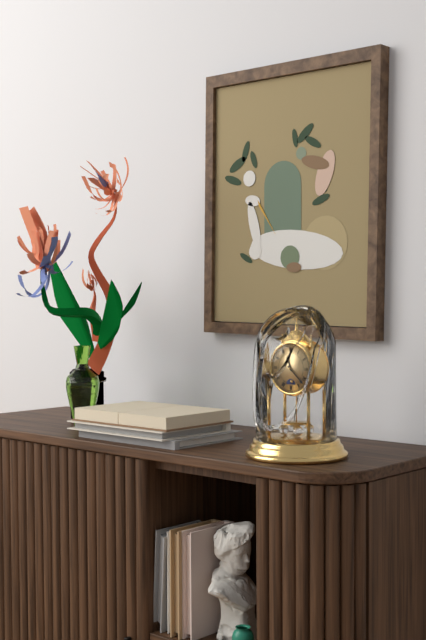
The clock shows **11:22**
